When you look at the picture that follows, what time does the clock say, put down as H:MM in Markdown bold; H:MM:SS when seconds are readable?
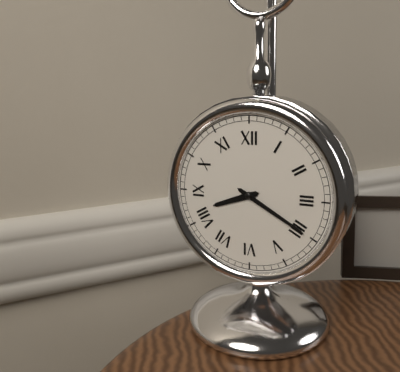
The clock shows **8:20**
